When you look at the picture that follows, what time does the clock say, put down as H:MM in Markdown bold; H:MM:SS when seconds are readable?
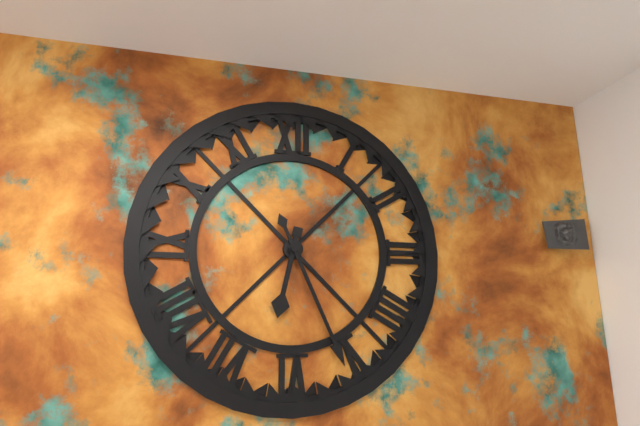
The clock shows **6:26**
